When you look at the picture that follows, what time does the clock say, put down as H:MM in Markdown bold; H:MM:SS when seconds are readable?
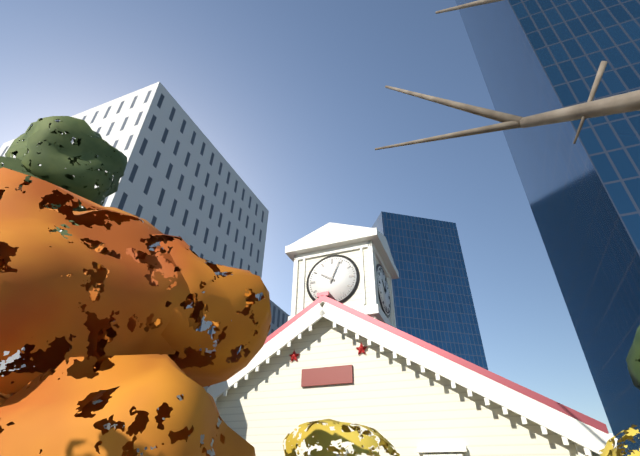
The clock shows **10:04**
